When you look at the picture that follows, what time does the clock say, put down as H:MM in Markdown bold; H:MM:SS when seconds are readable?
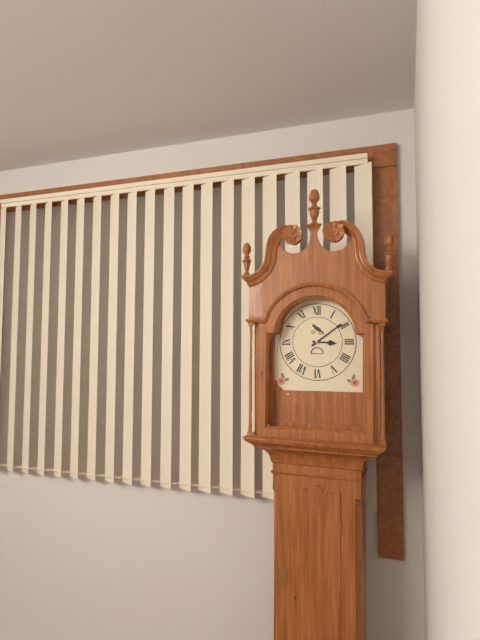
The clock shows **3:09**
